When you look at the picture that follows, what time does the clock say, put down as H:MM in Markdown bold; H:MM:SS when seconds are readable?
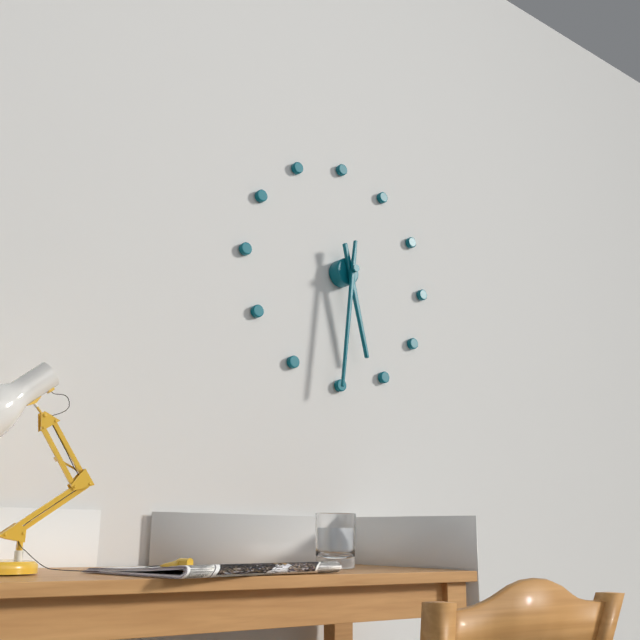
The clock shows **5:31**
